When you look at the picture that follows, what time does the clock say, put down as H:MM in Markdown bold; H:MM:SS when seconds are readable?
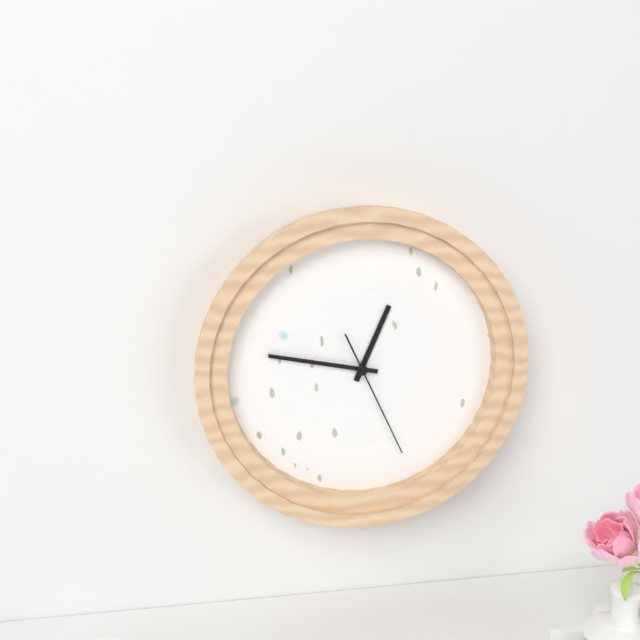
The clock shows **12:47:26**
